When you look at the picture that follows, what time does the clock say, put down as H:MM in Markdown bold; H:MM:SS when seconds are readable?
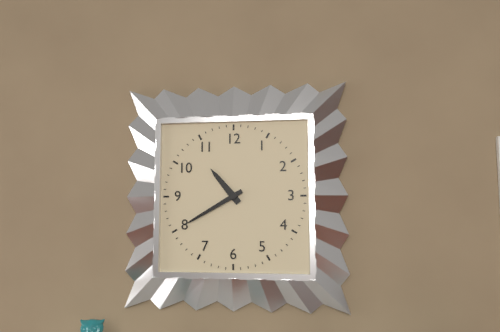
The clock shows **10:40**
